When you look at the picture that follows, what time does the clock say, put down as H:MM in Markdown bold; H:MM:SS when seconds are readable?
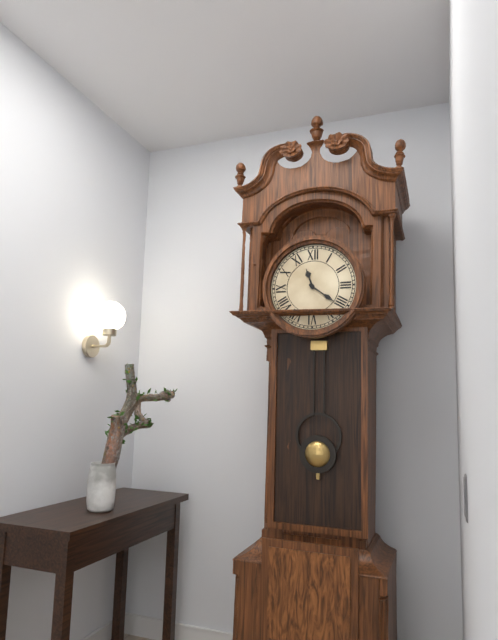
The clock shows **11:21**
